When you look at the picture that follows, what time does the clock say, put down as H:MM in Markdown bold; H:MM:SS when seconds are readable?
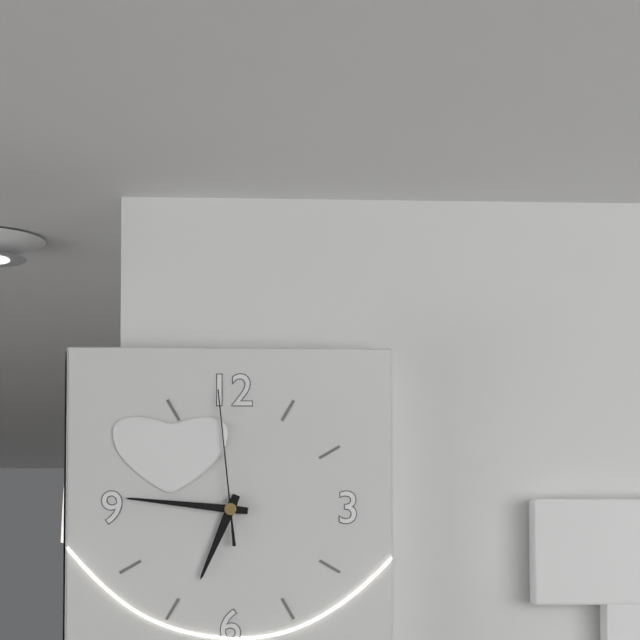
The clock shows **6:46:59**
